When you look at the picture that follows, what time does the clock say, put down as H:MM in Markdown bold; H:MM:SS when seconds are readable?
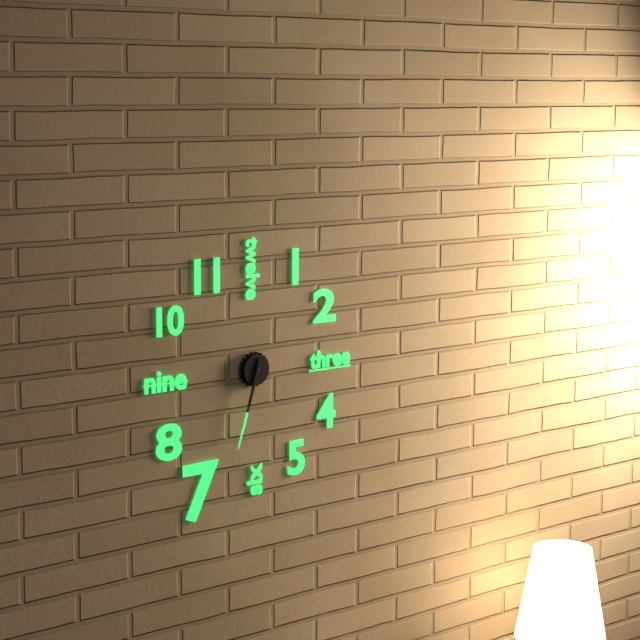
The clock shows **6:33**
